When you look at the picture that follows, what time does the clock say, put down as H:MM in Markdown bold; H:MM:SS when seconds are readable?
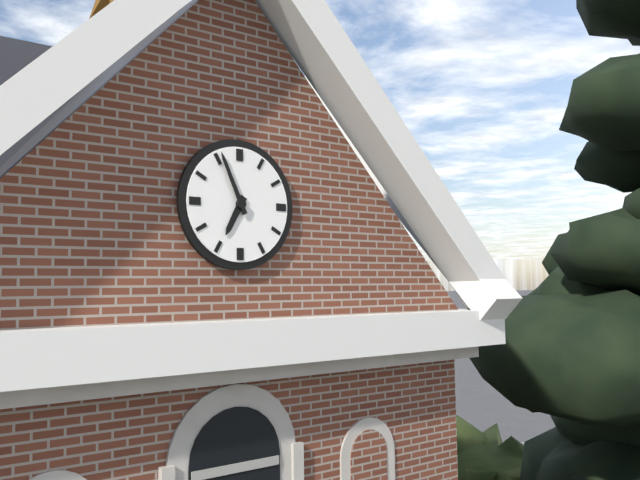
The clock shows **6:56**
